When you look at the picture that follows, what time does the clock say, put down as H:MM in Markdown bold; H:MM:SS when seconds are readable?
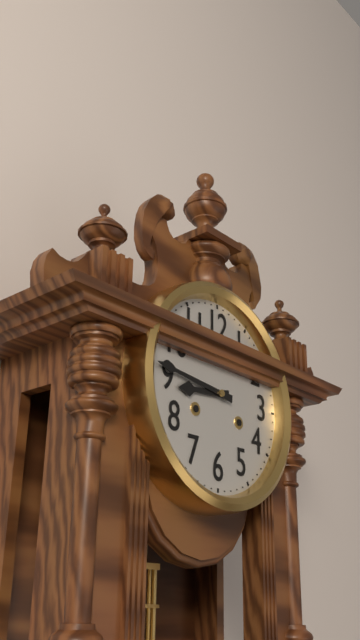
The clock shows **8:46**
